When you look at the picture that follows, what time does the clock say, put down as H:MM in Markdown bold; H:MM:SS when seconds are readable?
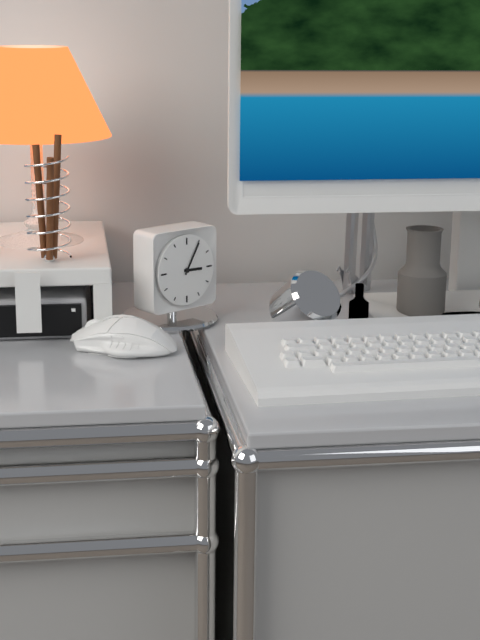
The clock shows **3:05**
